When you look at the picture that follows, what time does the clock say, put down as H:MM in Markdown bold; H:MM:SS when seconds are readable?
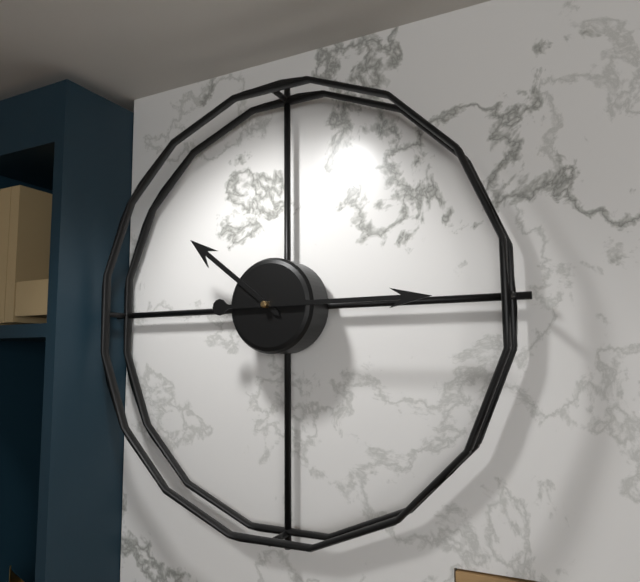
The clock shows **10:15**
